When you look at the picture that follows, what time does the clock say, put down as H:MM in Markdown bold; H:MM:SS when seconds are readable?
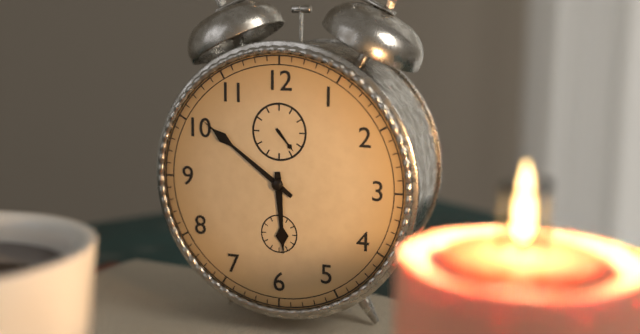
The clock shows **5:51**
